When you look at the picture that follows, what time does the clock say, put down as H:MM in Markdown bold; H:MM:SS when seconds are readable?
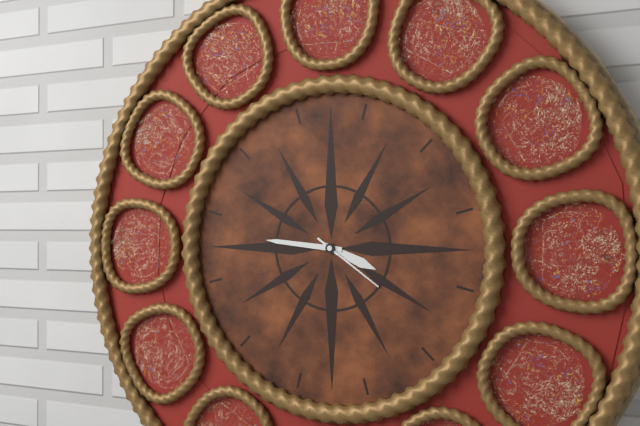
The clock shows **3:46:21**
